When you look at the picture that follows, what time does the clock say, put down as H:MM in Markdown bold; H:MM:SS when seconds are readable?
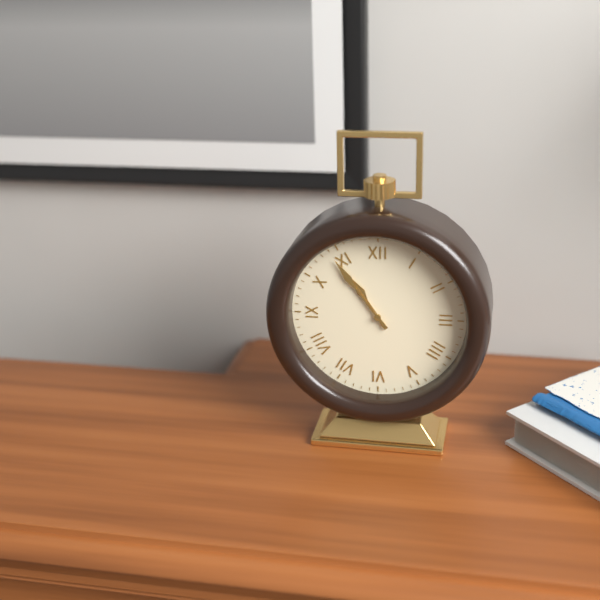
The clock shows **10:54**
